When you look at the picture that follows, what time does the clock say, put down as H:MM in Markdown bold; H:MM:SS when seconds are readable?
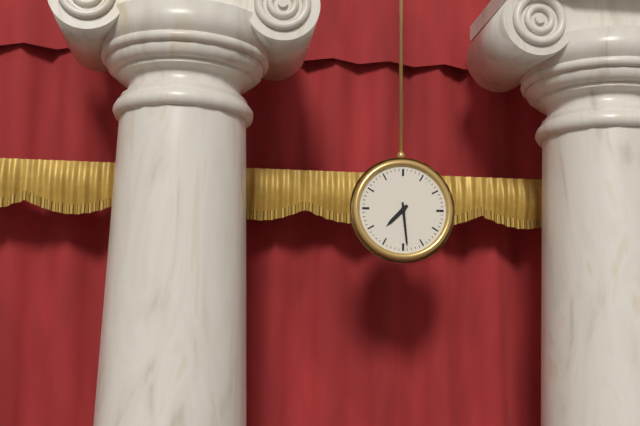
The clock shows **7:29**
